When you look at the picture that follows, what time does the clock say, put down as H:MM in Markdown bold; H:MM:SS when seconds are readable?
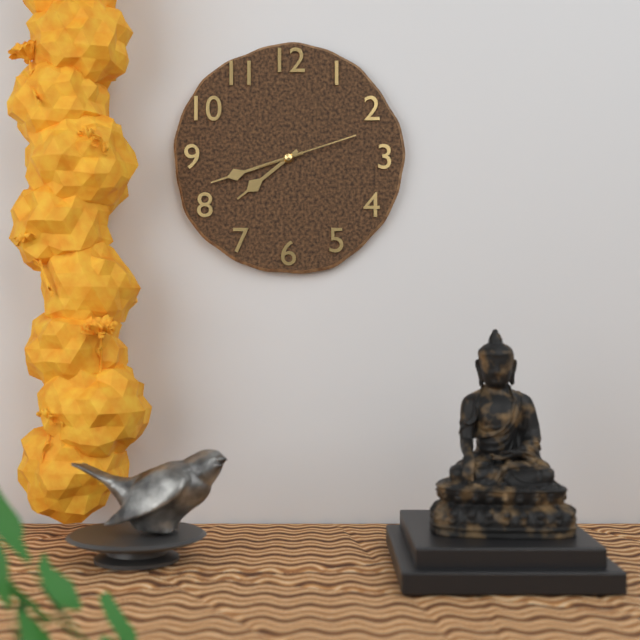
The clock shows **7:42:12**
